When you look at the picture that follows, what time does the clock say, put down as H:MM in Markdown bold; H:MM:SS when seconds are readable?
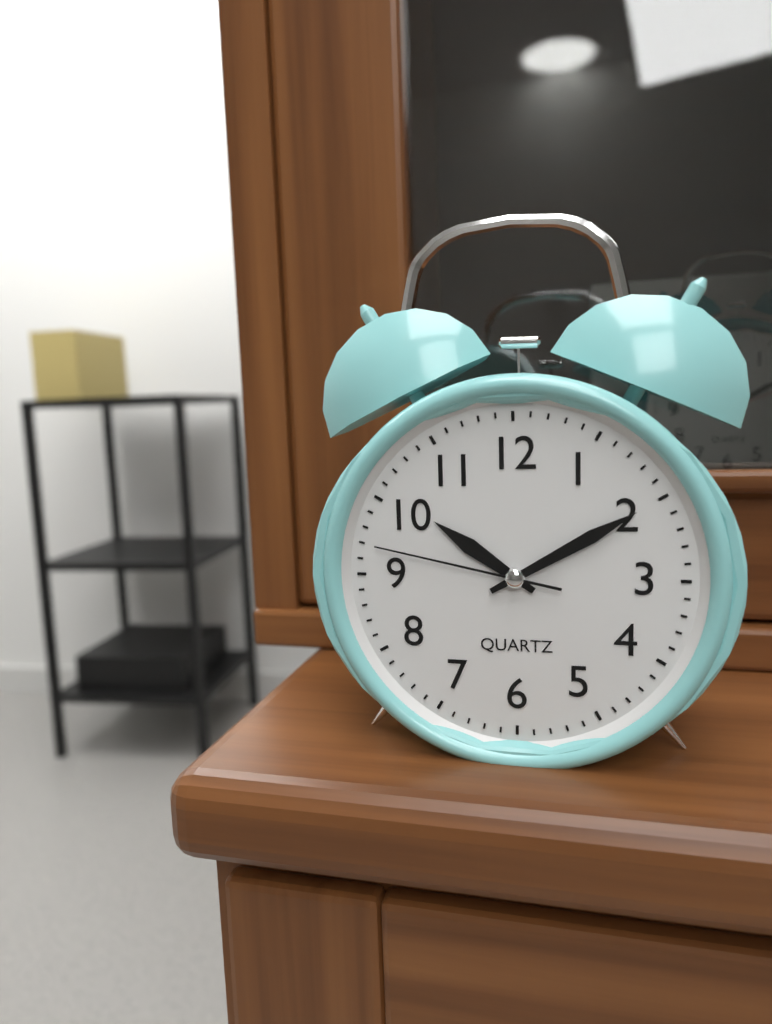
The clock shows **10:10:47**
